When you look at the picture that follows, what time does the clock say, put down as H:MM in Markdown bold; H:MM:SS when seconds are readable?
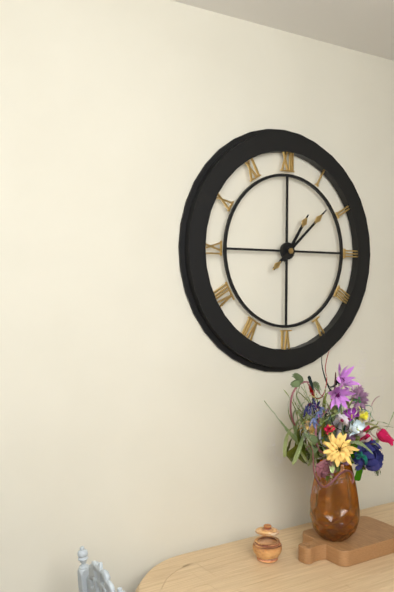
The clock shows **1:08**
